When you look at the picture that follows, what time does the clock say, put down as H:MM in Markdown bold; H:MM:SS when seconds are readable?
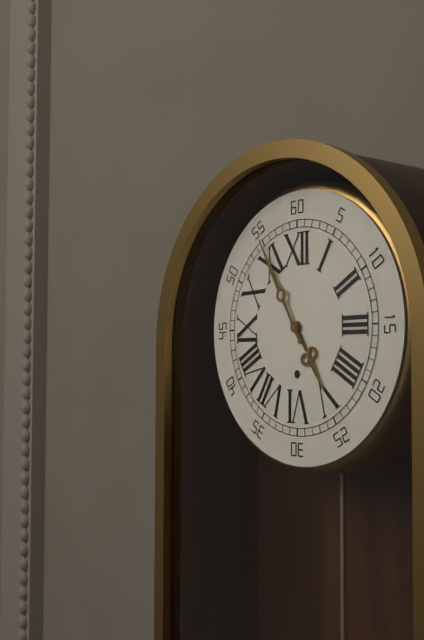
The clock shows **4:55**
